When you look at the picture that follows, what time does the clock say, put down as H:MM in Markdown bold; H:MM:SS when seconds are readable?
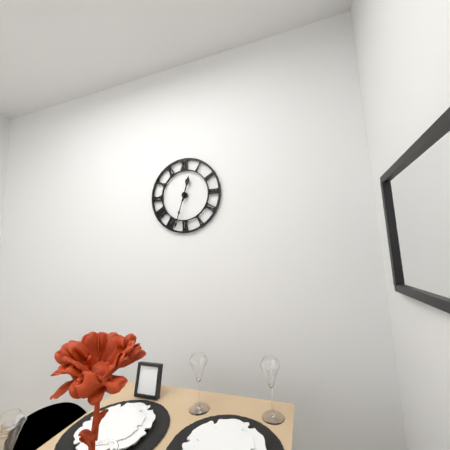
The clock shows **12:33**
